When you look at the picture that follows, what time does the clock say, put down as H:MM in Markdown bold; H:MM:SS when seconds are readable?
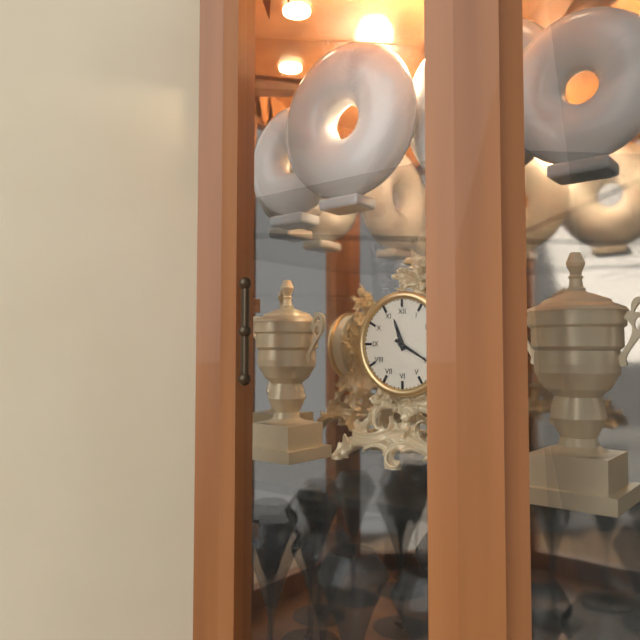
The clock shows **11:20**
